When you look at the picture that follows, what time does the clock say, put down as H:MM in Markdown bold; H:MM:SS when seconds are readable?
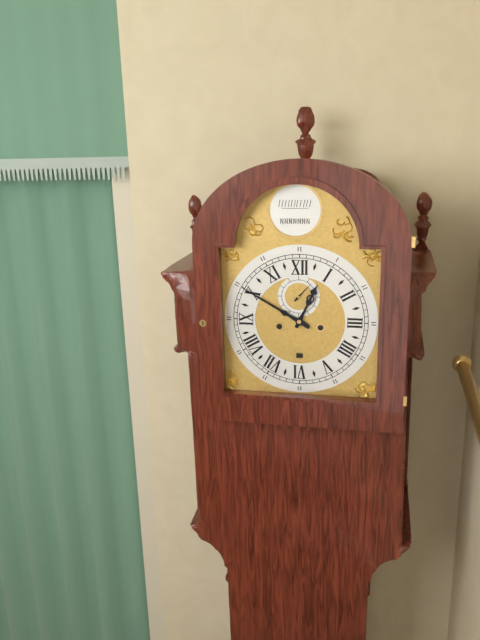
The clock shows **12:50**
